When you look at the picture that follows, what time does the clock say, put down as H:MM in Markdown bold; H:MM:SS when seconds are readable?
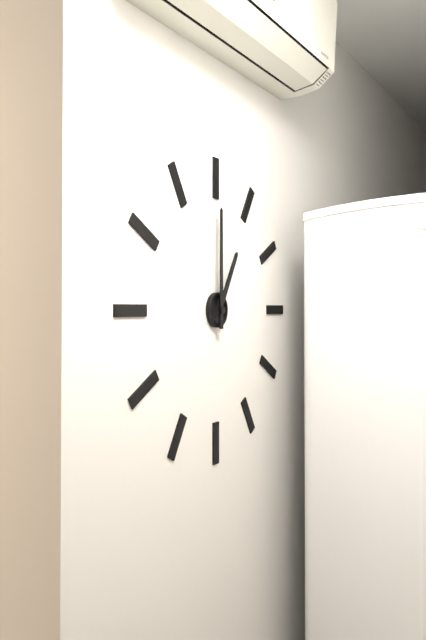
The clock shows **1:00**
